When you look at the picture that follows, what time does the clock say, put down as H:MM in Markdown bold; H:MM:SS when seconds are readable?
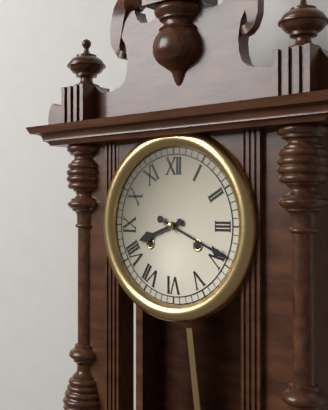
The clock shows **8:19**
